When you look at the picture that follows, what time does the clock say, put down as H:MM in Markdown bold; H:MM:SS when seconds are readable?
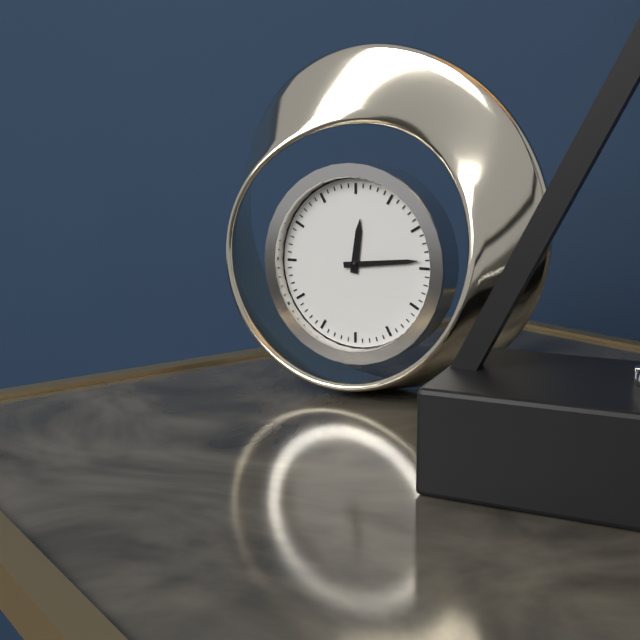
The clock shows **12:14**
